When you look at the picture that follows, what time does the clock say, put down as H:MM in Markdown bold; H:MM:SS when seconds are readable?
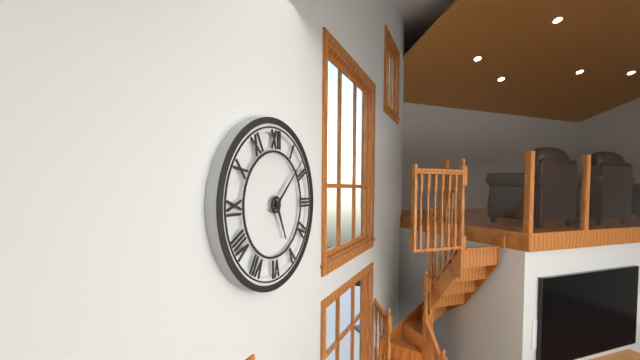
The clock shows **5:08**
